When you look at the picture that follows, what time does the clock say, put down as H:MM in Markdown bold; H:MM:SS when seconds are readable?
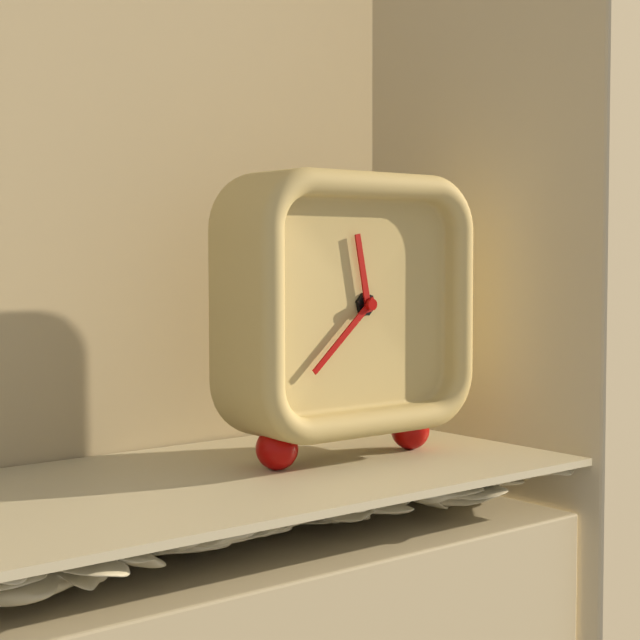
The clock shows **11:38**
